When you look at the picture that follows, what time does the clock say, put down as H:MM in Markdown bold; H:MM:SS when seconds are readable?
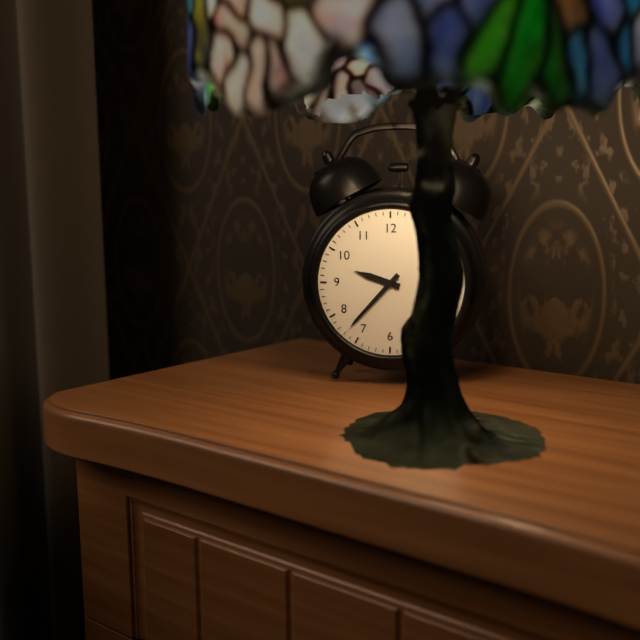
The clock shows **9:37**
